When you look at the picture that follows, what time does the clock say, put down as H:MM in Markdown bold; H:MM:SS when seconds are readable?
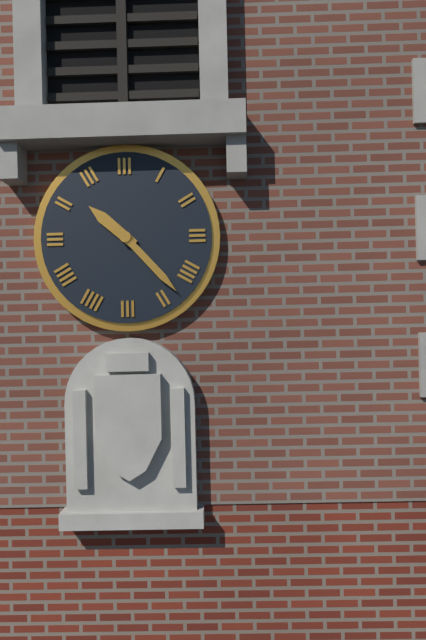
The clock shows **10:23**
